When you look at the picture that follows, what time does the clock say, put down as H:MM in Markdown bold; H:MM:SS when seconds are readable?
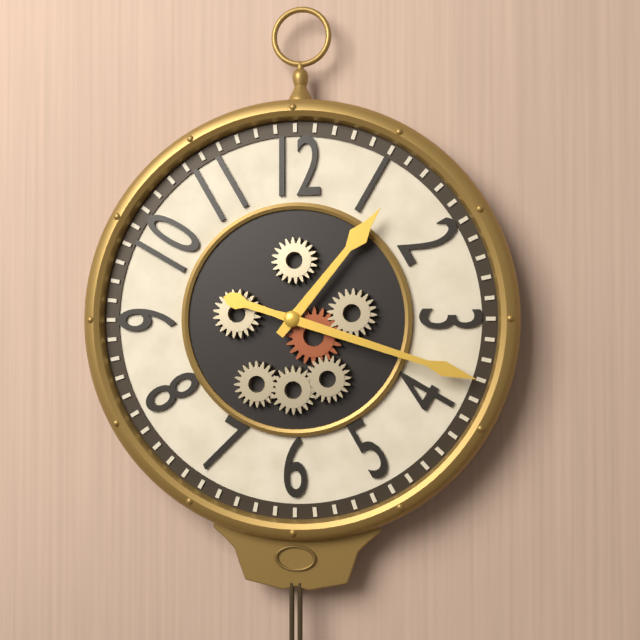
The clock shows **1:18**
